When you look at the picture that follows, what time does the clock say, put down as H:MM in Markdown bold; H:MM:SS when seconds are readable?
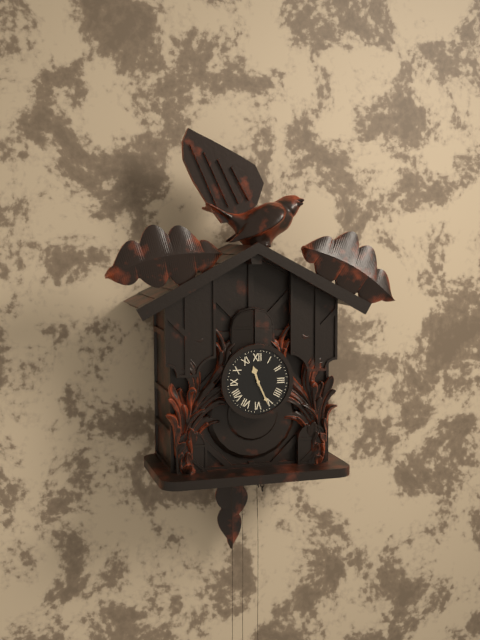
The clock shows **11:26**
